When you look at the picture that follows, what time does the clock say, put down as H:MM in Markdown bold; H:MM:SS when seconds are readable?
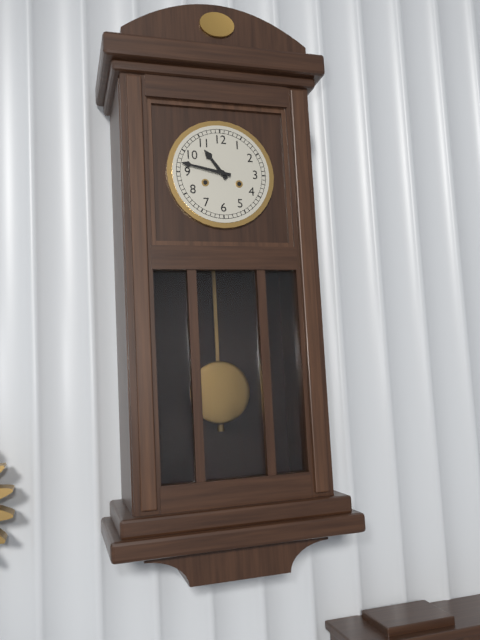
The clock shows **10:47**
